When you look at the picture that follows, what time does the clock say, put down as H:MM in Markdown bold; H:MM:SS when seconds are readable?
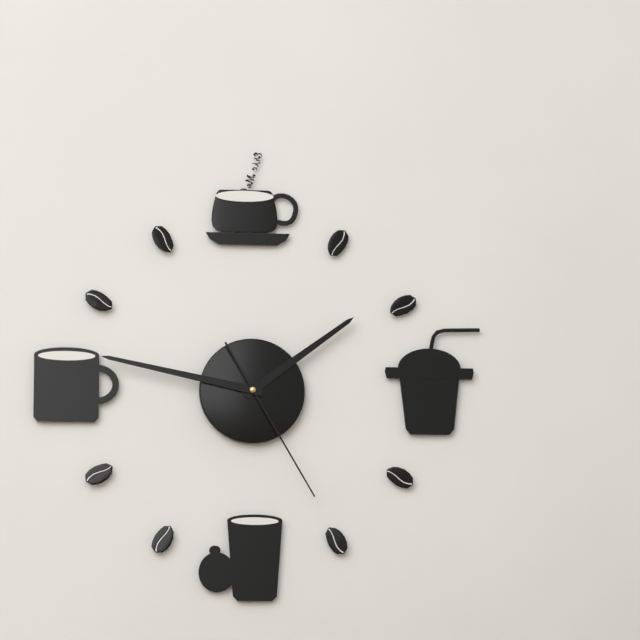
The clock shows **1:47:25**
